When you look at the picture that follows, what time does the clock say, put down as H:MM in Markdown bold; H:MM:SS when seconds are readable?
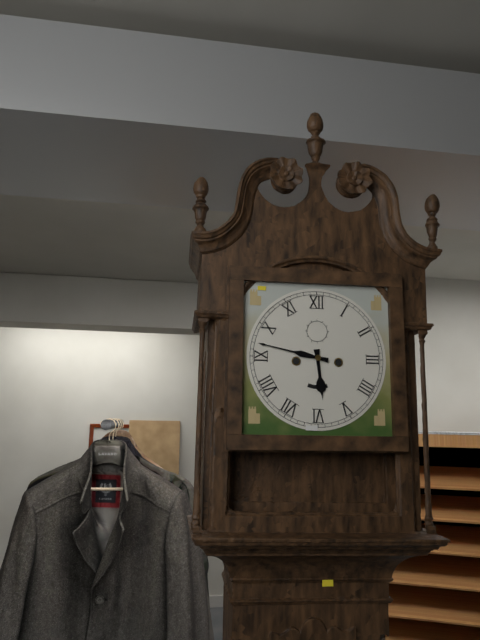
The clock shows **5:47**
